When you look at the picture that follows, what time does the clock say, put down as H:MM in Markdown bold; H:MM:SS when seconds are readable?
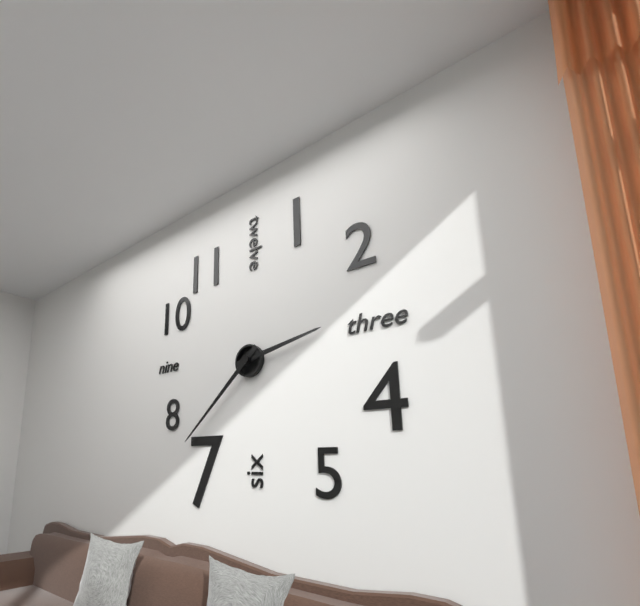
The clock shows **2:38**
